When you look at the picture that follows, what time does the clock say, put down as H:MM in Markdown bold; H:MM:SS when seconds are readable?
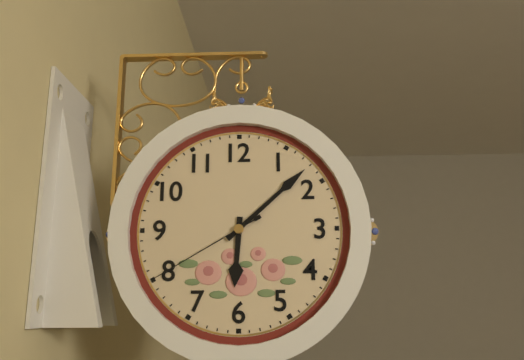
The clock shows **6:08:40**
